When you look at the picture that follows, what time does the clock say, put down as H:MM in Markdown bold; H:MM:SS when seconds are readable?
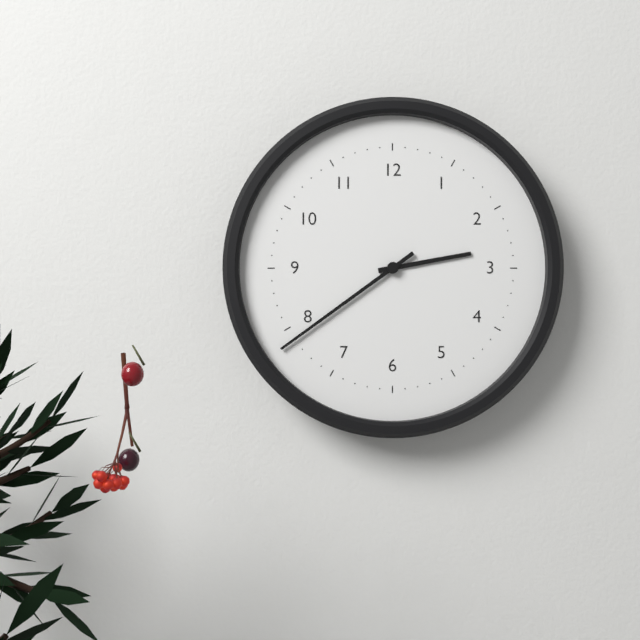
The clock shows **2:39**
